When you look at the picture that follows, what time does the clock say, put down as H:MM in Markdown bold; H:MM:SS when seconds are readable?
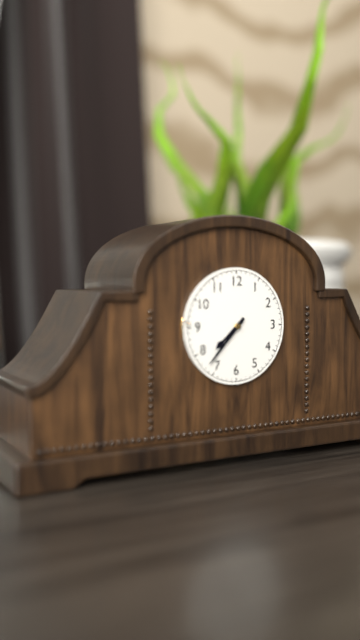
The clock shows **7:37**
